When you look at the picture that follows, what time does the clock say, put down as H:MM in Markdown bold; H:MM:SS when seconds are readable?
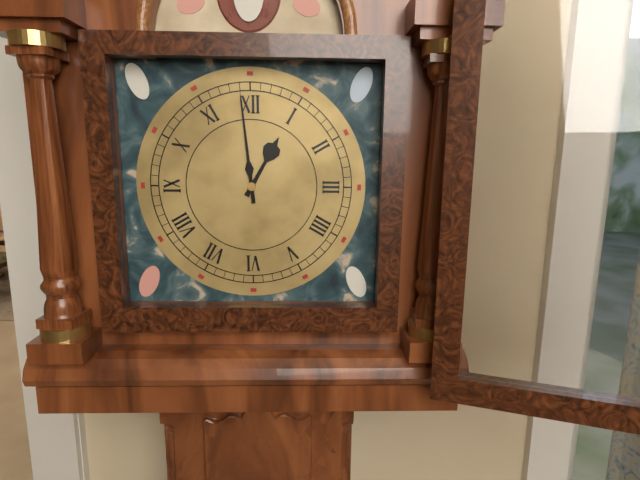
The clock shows **12:59**
